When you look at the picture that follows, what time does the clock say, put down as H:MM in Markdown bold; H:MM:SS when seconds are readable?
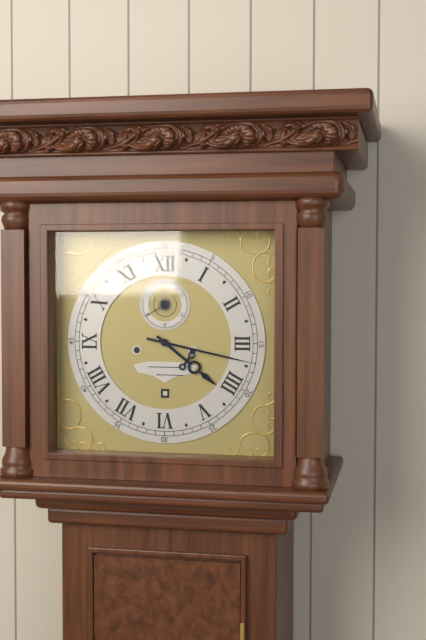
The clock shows **4:17**
